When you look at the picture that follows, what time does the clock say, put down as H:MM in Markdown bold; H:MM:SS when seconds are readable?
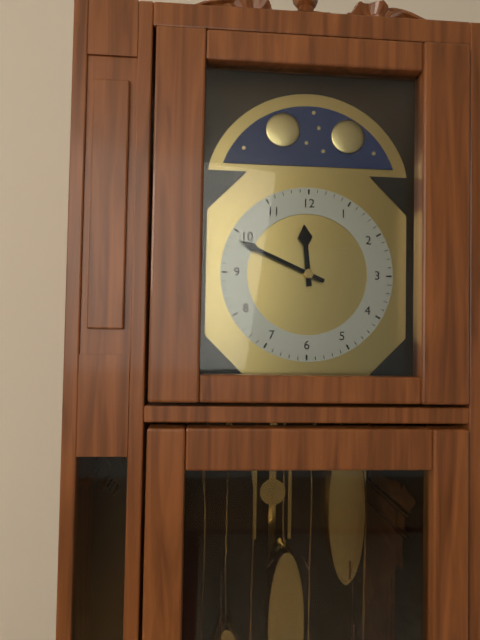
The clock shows **11:49**
